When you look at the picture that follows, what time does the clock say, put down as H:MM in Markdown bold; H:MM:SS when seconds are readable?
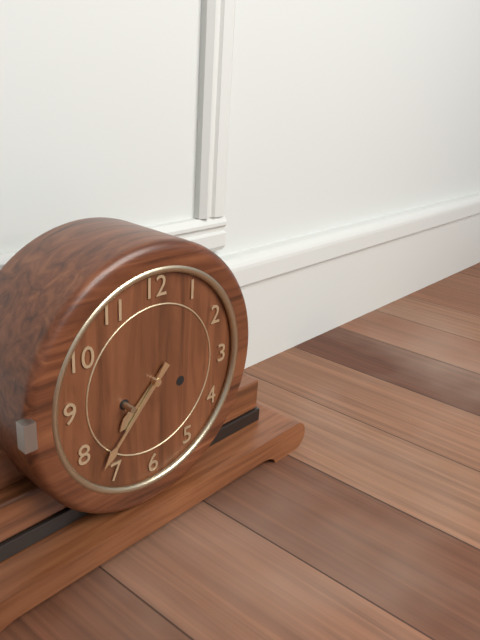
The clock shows **7:37**
